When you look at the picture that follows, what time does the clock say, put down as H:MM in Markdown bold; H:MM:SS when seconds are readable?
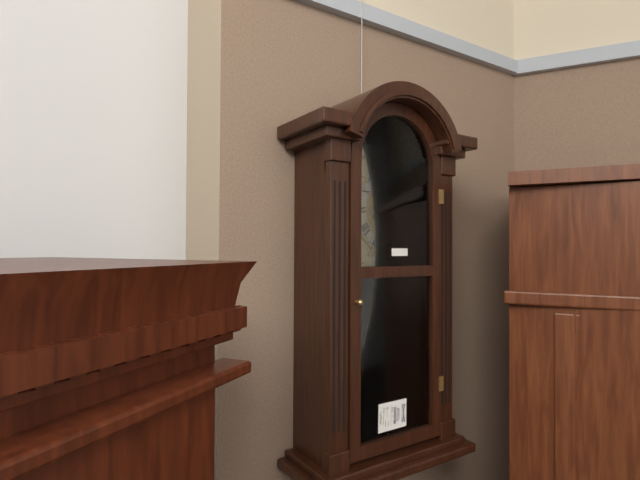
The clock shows **9:13**
